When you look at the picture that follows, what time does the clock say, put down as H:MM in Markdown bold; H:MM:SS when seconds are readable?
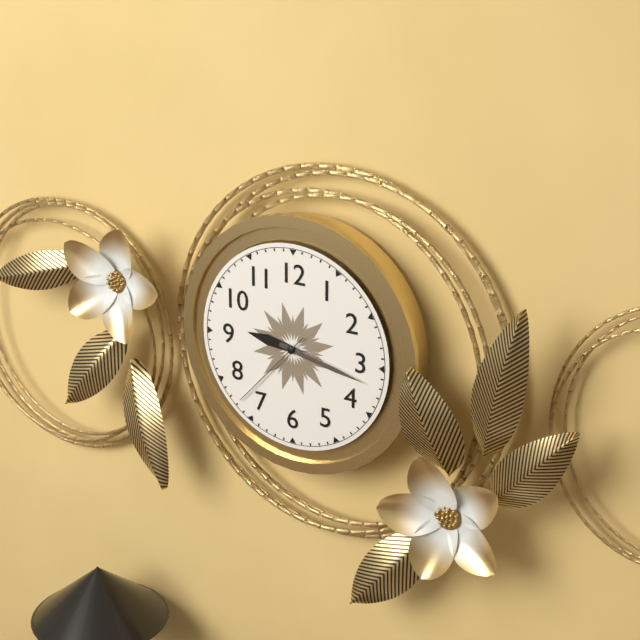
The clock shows **9:17:37**
